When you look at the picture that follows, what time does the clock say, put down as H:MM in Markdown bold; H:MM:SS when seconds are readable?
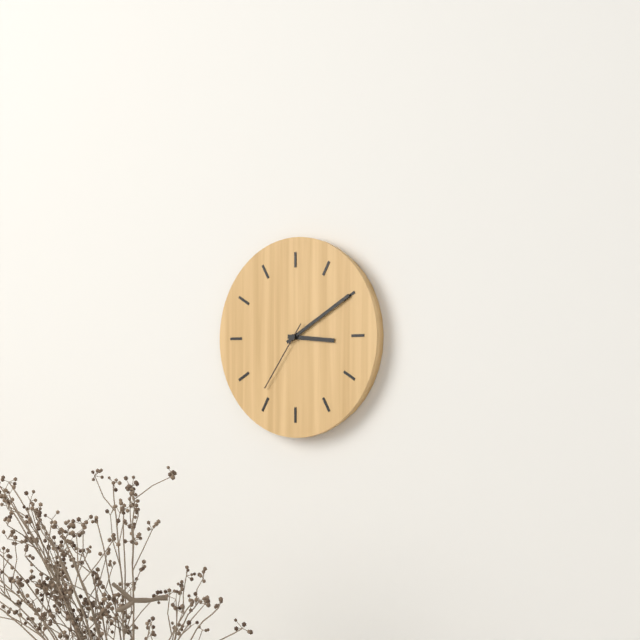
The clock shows **3:10:36**
